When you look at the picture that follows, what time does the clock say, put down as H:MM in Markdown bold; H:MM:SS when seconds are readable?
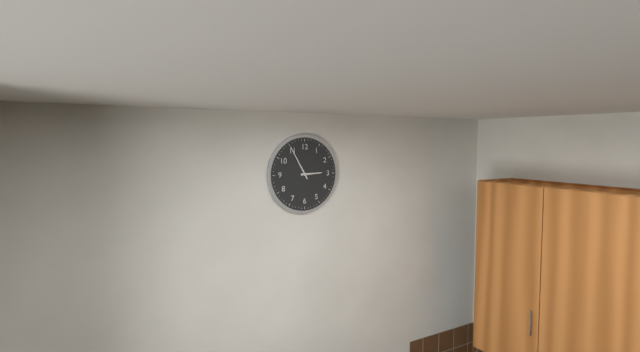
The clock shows **2:55**
